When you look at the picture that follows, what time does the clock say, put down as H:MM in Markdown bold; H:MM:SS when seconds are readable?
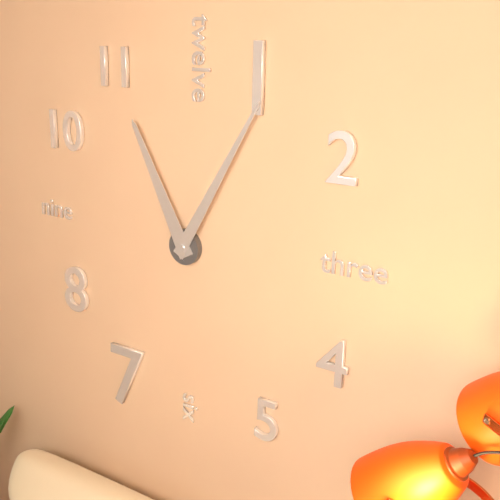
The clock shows **11:05**
